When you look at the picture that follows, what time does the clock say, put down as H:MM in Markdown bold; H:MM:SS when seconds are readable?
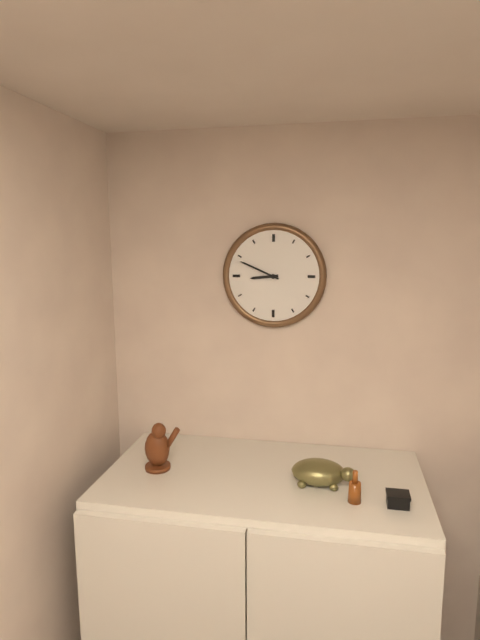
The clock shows **8:49**
